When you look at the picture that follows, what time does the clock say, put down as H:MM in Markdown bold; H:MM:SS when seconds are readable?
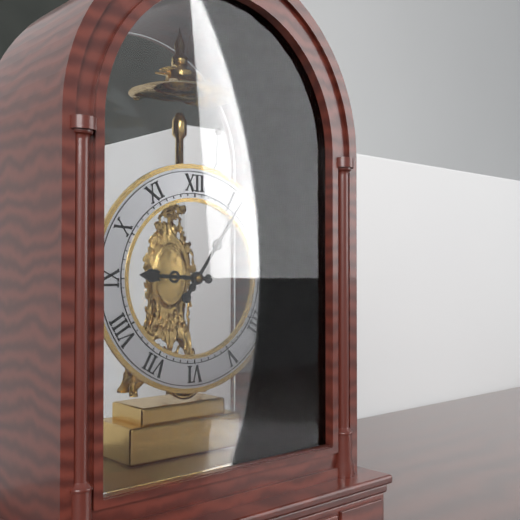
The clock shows **9:06**
